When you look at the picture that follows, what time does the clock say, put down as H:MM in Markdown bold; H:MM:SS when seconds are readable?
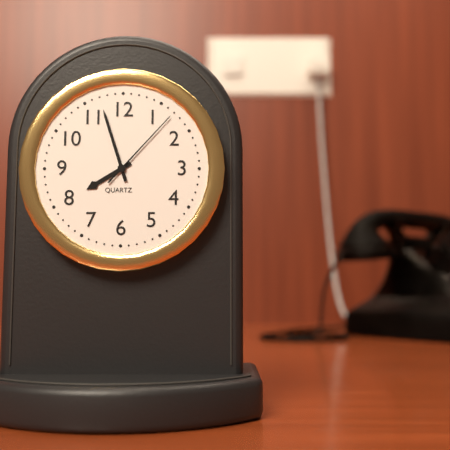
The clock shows **7:57:07**
